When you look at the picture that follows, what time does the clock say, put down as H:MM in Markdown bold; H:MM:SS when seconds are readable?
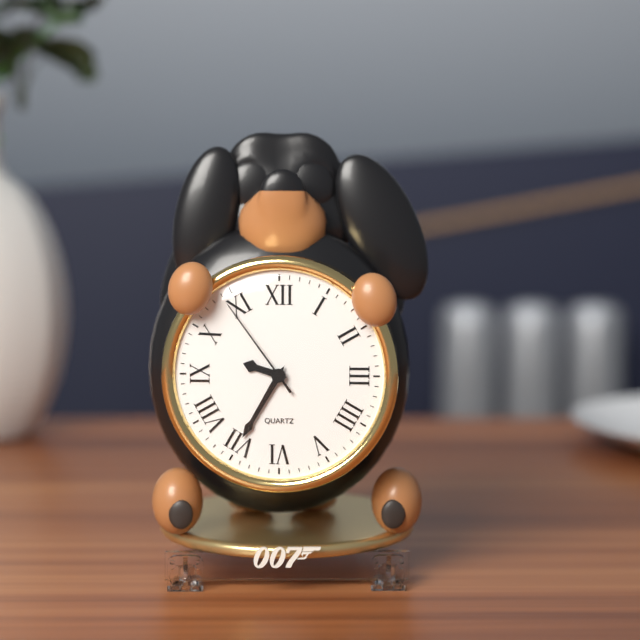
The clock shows **9:35:54**
